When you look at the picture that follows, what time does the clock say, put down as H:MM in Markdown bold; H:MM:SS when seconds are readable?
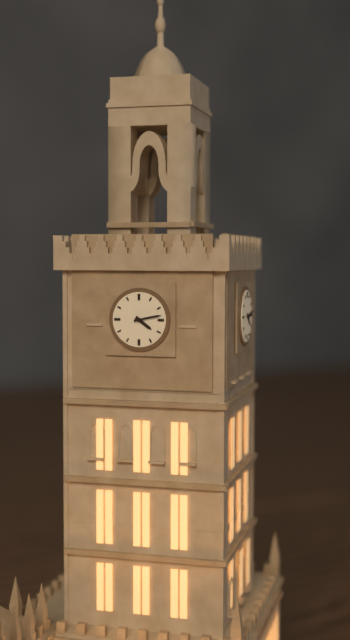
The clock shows **4:13**
